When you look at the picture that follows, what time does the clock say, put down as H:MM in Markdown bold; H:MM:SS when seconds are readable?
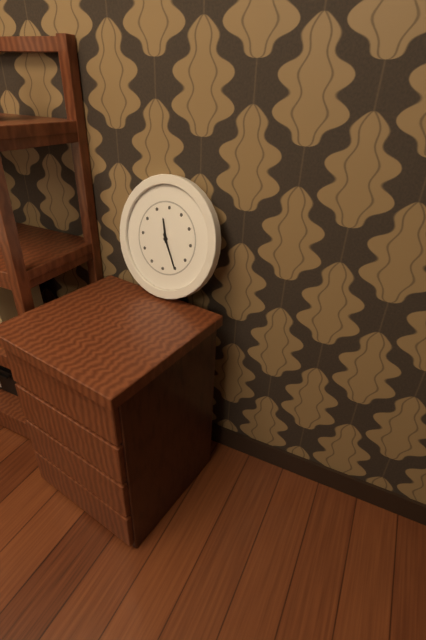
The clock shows **11:25**
